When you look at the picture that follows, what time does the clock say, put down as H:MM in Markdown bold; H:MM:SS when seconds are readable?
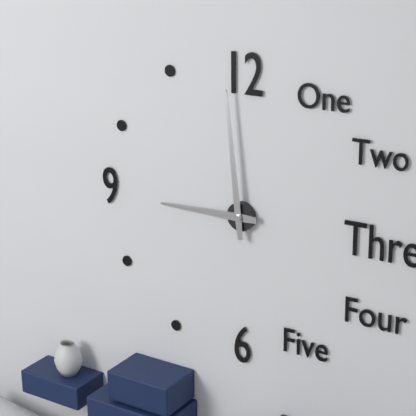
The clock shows **8:59**
